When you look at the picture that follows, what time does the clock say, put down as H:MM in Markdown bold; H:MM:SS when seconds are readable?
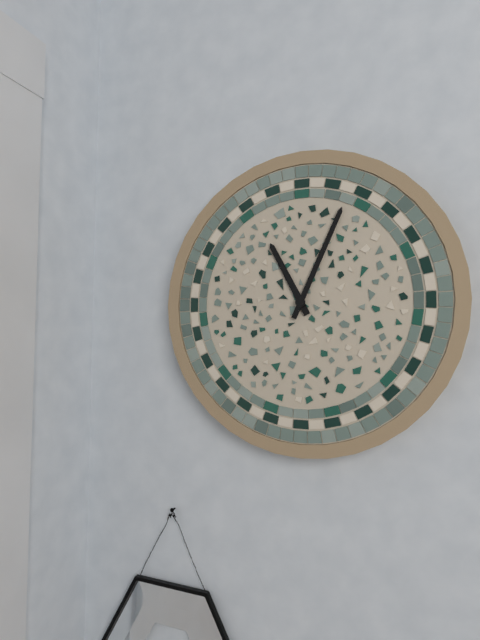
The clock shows **11:04**
